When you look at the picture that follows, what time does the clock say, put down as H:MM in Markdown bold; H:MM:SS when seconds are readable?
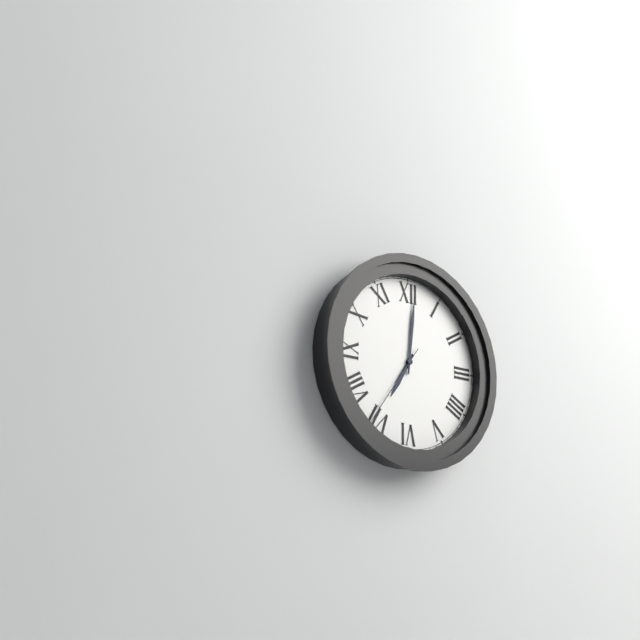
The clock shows **7:01:36**
